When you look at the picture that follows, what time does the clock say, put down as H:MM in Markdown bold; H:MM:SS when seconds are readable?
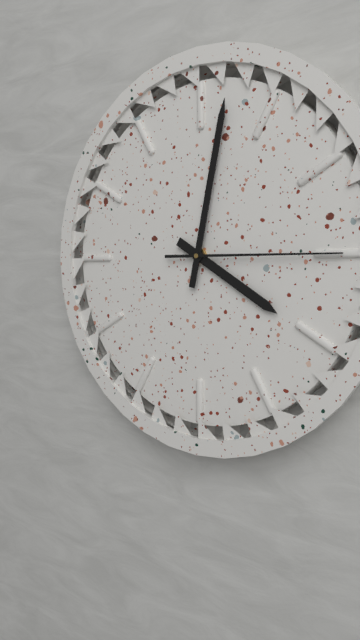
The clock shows **4:02:15**
